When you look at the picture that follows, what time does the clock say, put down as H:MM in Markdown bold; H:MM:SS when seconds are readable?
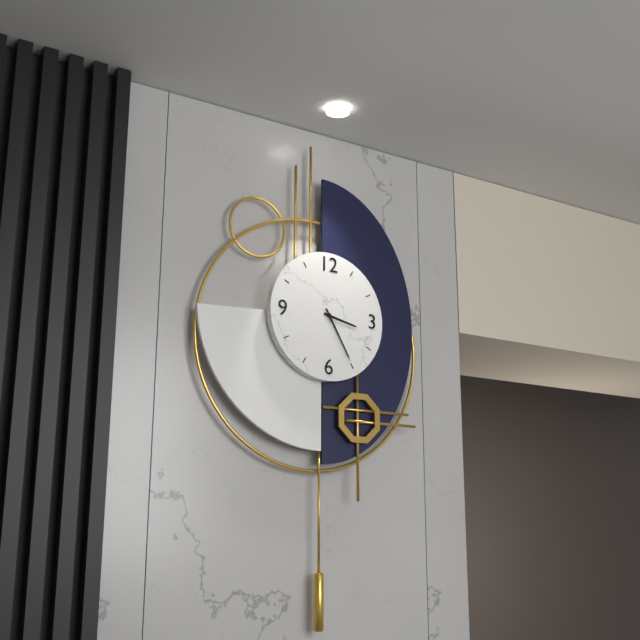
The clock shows **3:25**
